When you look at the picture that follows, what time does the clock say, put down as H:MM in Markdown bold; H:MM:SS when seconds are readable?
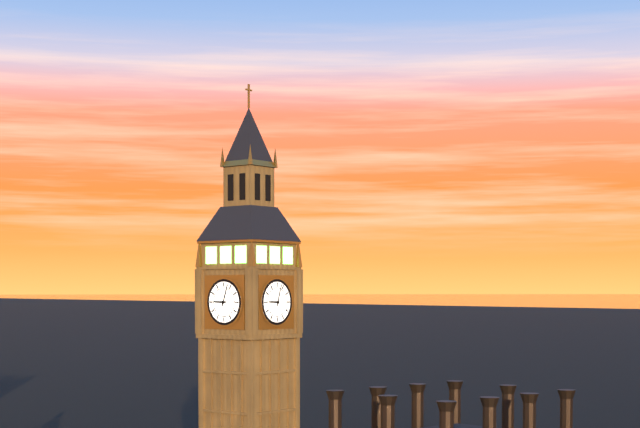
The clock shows **9:03**
